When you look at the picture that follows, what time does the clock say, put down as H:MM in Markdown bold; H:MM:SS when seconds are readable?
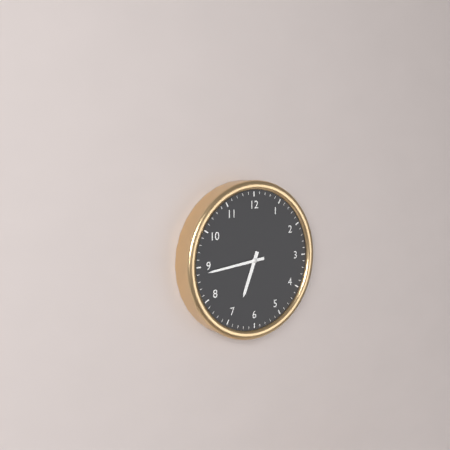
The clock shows **6:44**
